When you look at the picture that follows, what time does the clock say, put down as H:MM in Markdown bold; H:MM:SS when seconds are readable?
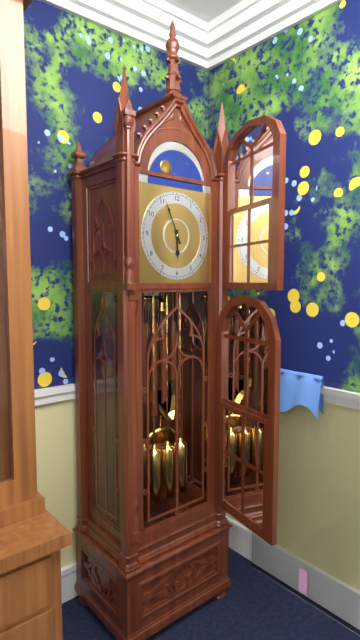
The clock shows **5:56**
